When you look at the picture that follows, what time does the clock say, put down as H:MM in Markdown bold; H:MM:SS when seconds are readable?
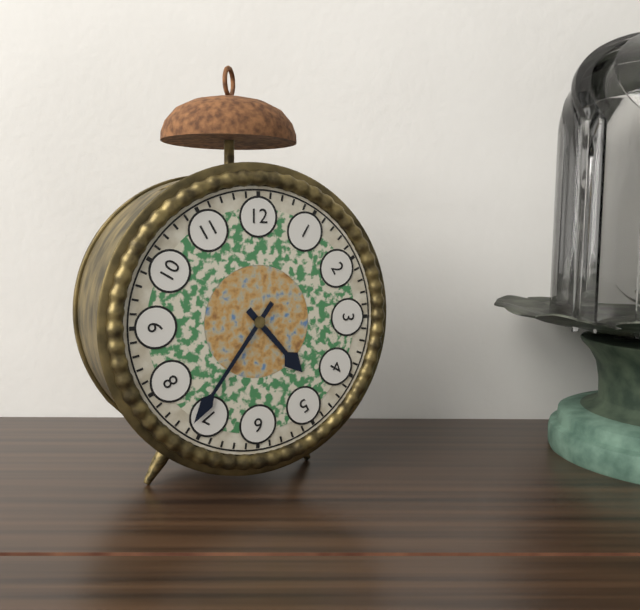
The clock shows **4:36**
